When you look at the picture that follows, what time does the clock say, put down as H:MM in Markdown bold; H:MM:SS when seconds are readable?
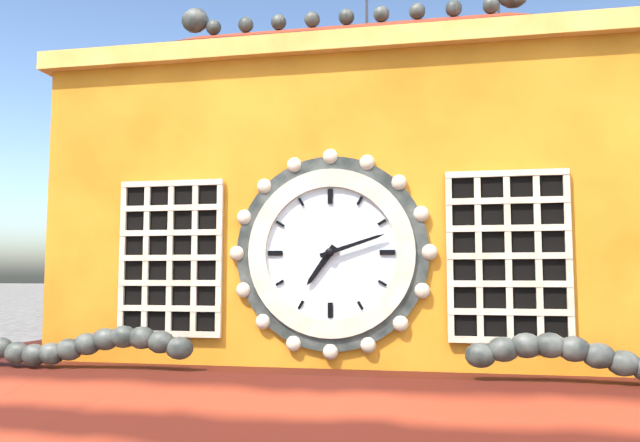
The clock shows **7:12**
